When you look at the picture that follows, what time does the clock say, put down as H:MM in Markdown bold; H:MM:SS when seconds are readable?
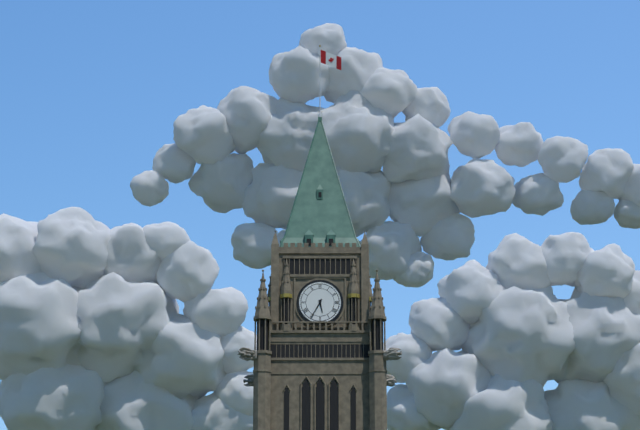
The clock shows **5:35**
